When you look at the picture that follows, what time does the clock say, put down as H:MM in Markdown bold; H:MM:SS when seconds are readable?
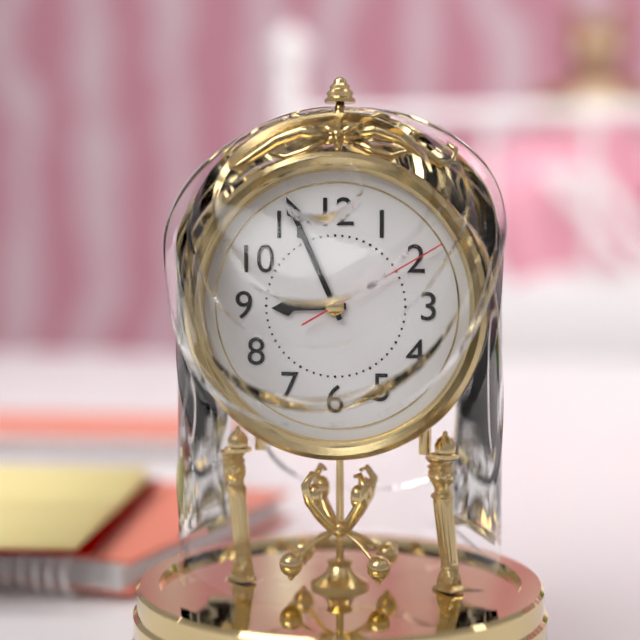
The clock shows **8:56:10**
